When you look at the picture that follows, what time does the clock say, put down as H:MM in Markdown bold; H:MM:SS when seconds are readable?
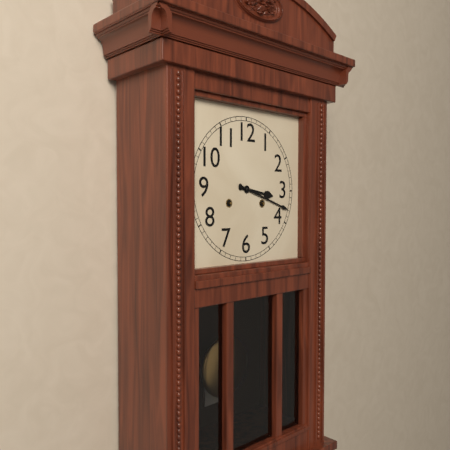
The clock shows **3:18**
